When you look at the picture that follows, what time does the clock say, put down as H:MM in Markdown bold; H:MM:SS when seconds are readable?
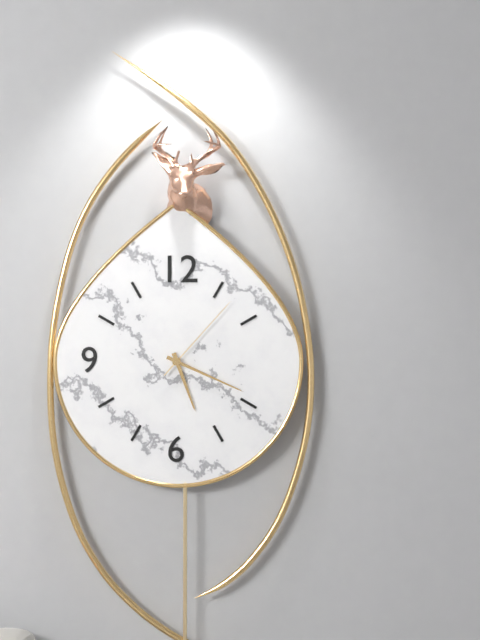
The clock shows **5:19:07**
